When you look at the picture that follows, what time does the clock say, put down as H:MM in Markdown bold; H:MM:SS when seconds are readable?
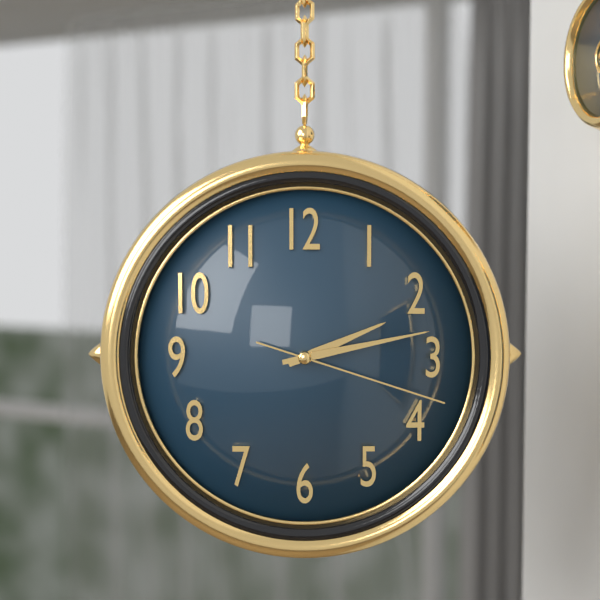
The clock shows **2:13:18**
